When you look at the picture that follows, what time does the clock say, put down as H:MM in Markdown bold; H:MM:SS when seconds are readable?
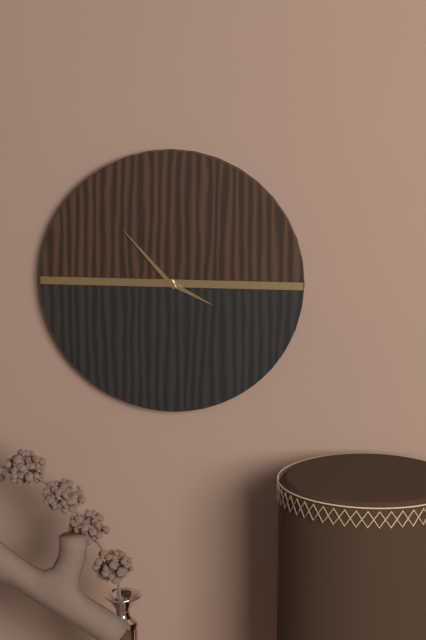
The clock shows **3:53**
